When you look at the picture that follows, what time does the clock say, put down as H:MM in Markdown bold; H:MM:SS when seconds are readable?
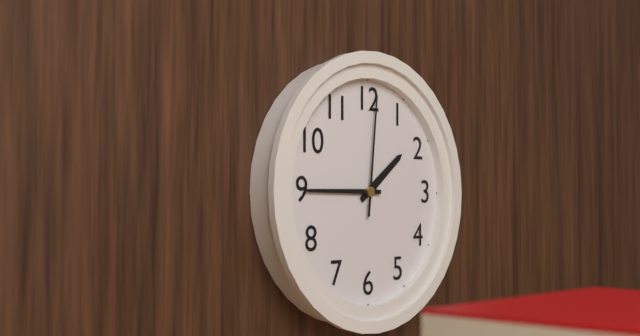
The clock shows **1:45:01**
